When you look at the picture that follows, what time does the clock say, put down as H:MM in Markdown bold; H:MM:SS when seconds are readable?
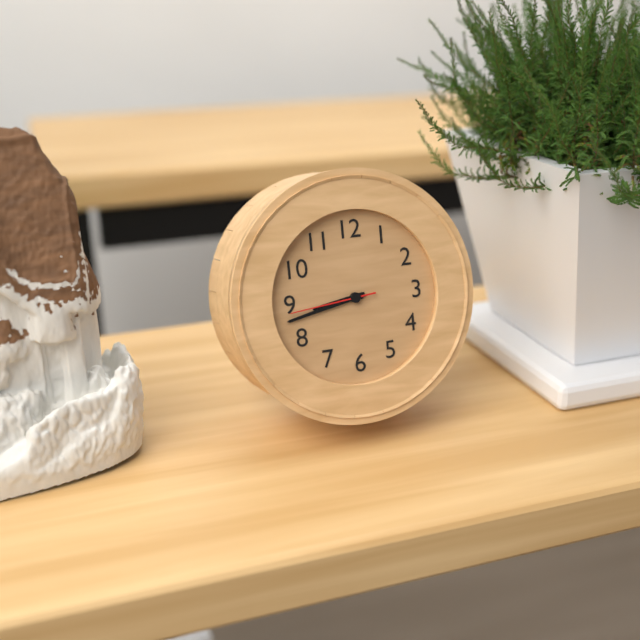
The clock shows **8:43:44**
